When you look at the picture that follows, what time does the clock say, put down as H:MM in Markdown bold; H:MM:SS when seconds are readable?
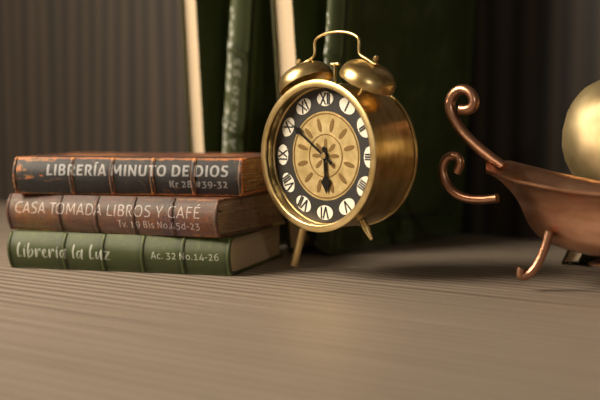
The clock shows **5:51**
